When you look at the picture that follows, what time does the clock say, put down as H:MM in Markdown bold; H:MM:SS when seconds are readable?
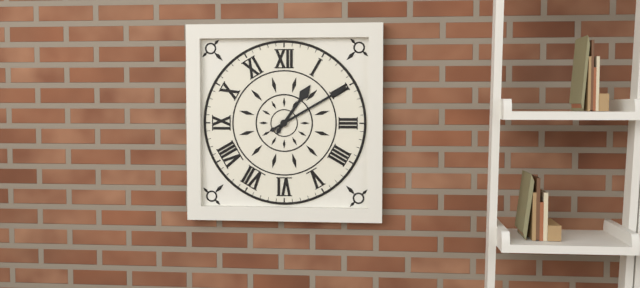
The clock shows **1:10**
